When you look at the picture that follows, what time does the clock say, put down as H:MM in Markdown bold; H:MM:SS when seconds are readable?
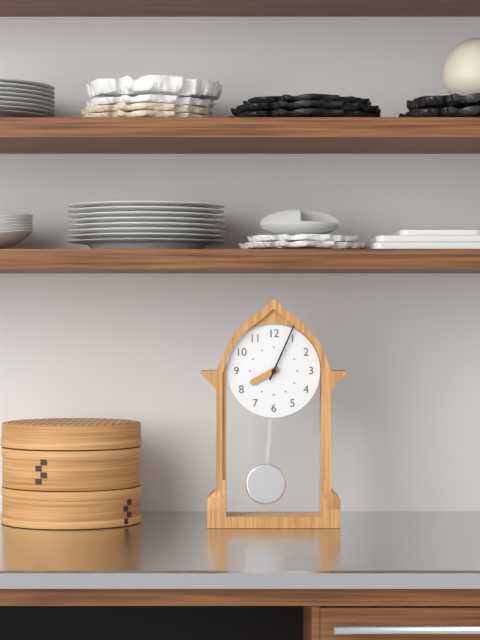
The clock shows **8:04**
